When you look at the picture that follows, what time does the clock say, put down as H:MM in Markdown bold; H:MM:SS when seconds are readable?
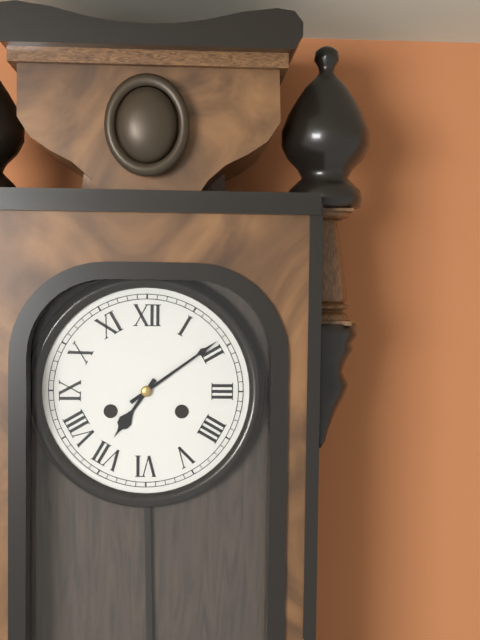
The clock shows **7:09**
